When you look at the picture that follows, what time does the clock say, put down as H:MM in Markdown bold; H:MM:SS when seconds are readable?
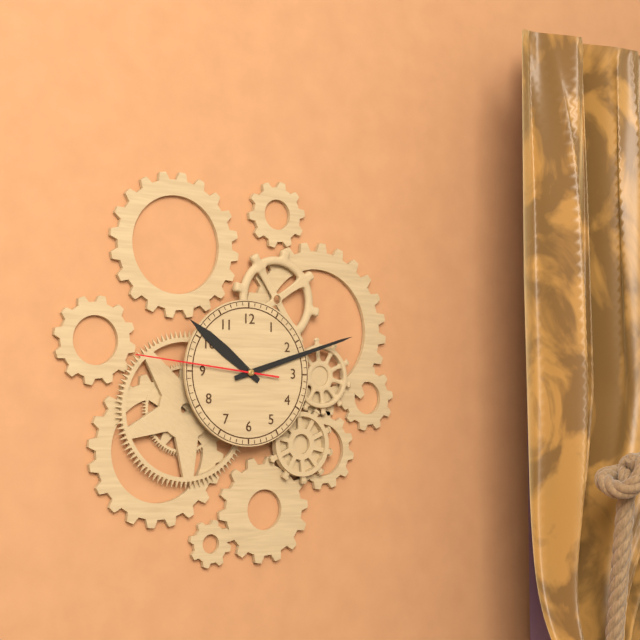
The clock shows **10:12:46**
